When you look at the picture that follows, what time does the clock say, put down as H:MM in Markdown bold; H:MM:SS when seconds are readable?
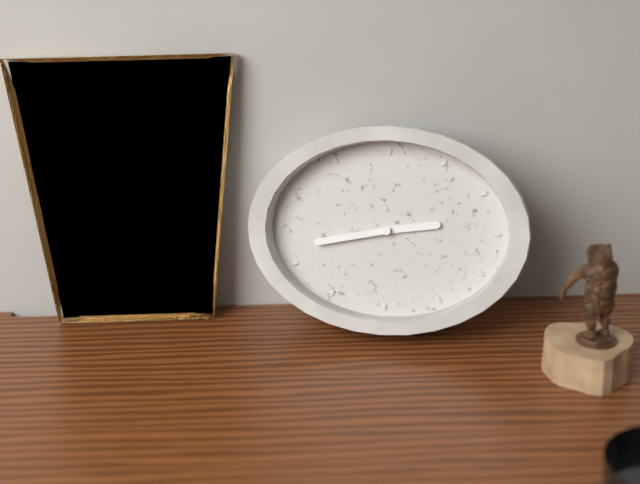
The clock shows **2:43**
